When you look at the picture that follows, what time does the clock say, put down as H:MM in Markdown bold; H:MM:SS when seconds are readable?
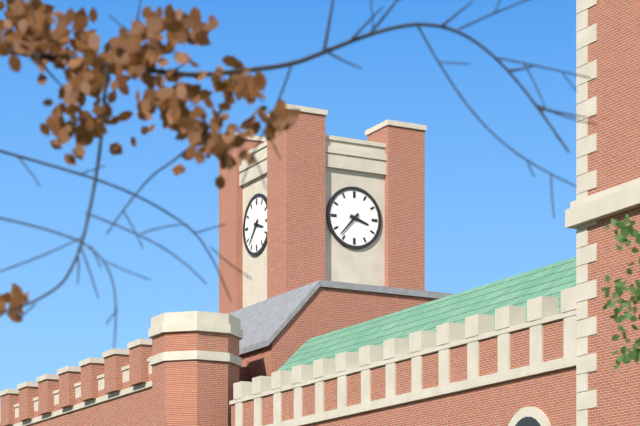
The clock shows **3:37**
